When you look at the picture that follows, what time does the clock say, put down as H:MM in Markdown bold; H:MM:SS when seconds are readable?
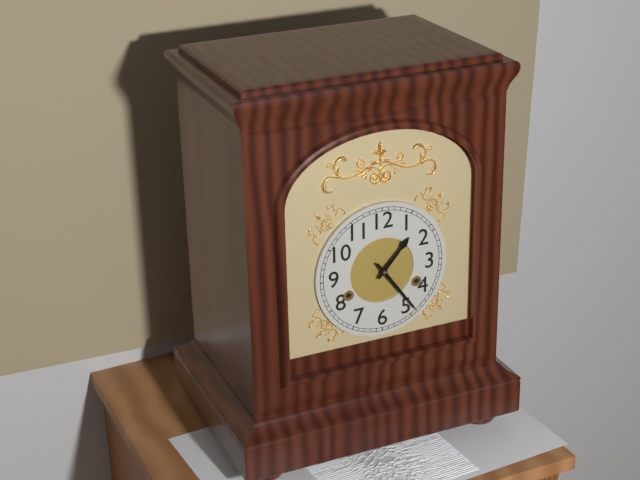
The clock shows **1:24**
